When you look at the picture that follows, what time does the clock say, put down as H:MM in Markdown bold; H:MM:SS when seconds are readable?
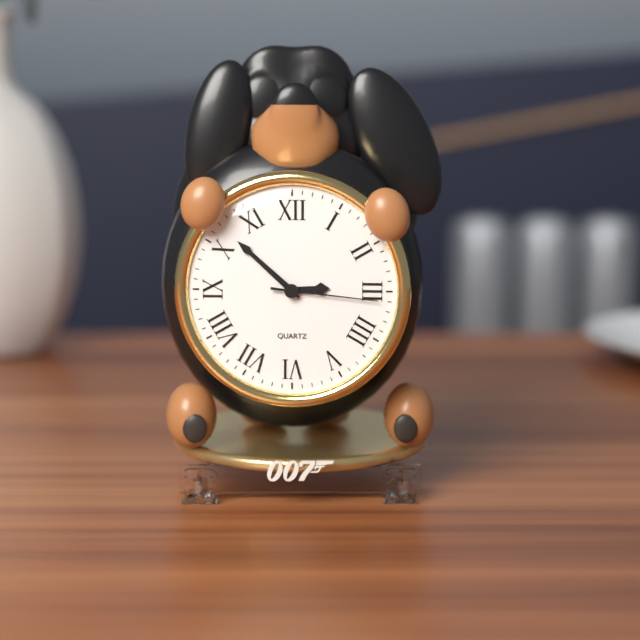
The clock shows **2:52:16**
